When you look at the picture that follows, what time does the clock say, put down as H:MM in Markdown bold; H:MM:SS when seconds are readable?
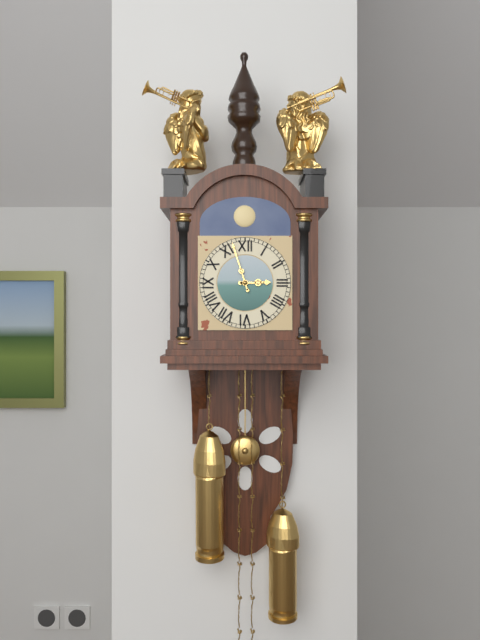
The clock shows **2:57**
